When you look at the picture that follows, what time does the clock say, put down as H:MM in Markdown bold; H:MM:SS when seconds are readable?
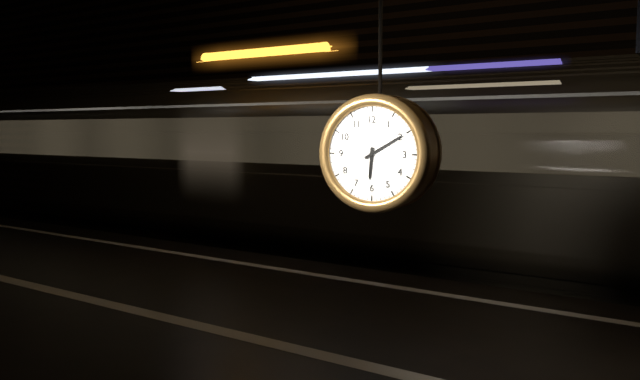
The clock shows **6:10**
